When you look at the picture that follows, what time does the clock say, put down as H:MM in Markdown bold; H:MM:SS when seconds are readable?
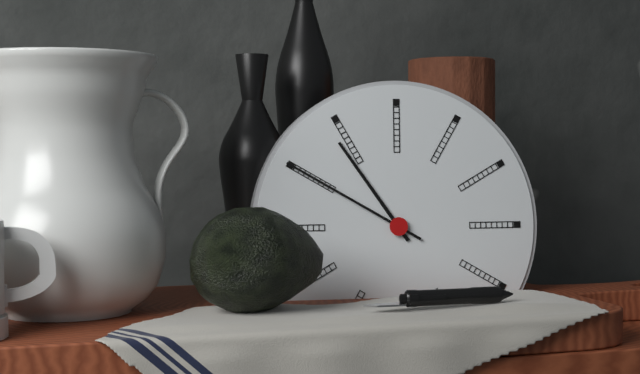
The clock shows **10:50**
